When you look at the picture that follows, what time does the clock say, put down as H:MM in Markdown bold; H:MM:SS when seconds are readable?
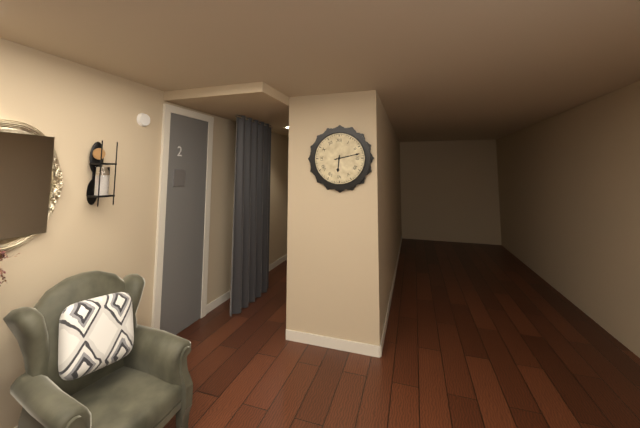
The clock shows **6:13**
